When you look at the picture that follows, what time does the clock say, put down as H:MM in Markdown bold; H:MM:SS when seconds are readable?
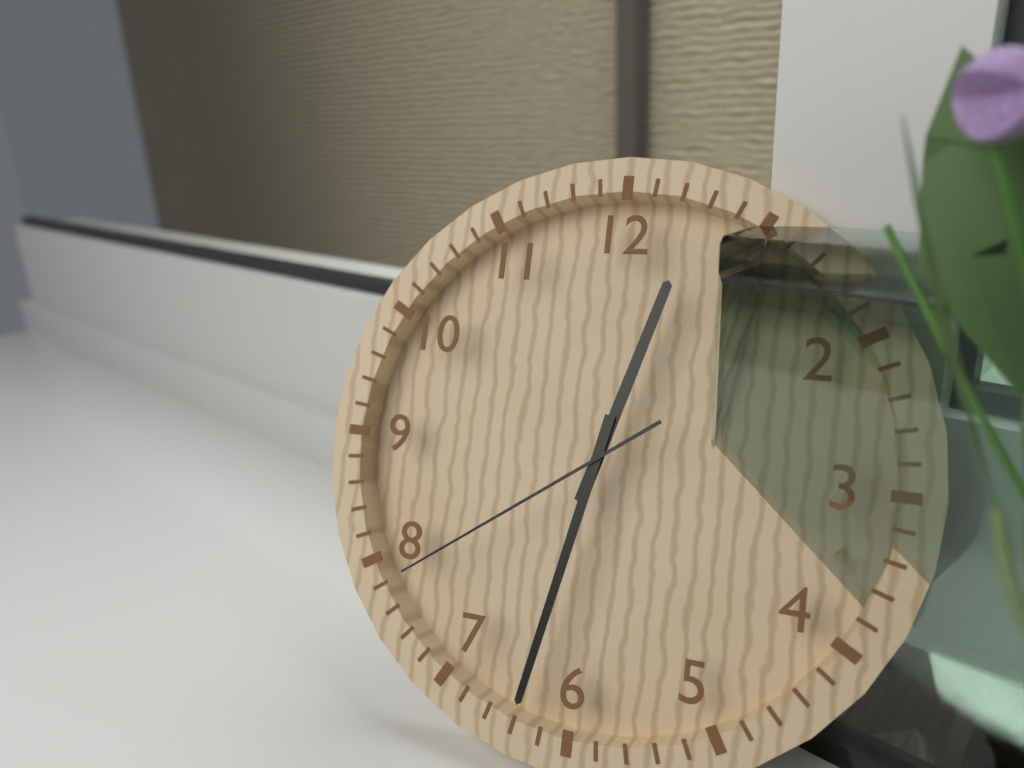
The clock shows **12:32:39**
